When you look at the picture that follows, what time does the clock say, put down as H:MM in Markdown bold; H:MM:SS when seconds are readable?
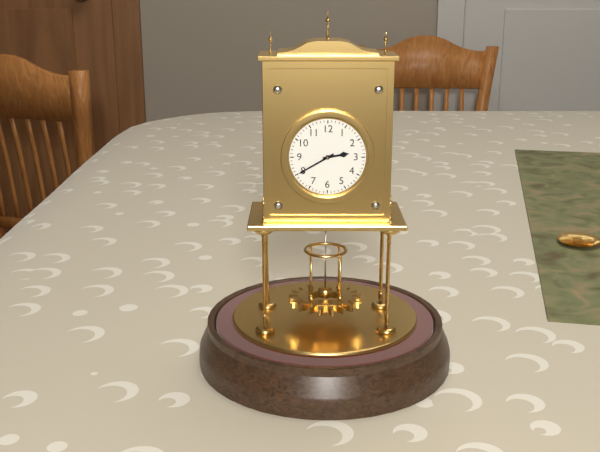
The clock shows **2:40**
